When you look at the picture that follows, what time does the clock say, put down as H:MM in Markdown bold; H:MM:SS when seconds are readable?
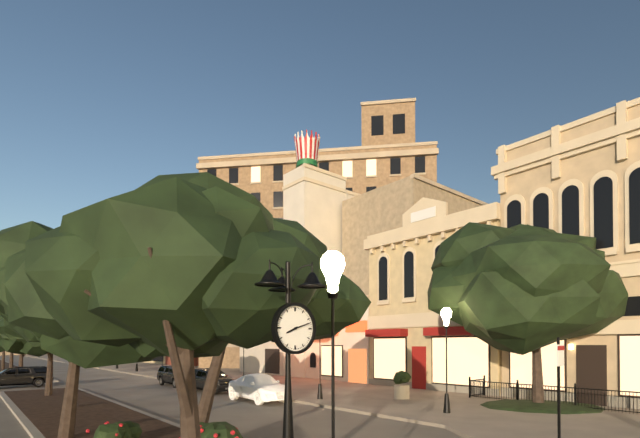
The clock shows **8:12**
